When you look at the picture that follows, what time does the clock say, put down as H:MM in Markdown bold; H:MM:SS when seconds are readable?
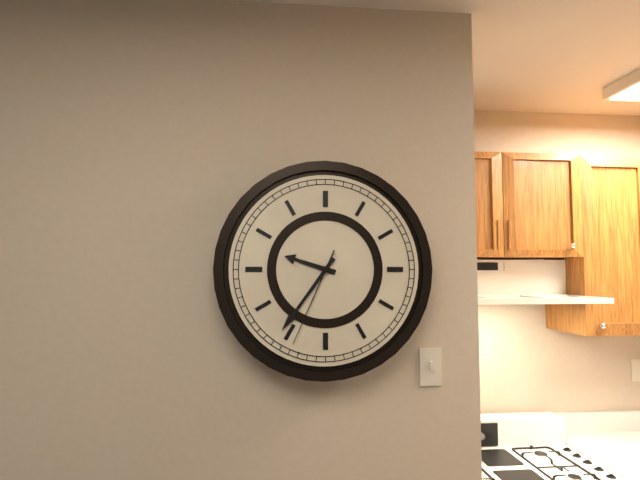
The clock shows **9:36:34**
